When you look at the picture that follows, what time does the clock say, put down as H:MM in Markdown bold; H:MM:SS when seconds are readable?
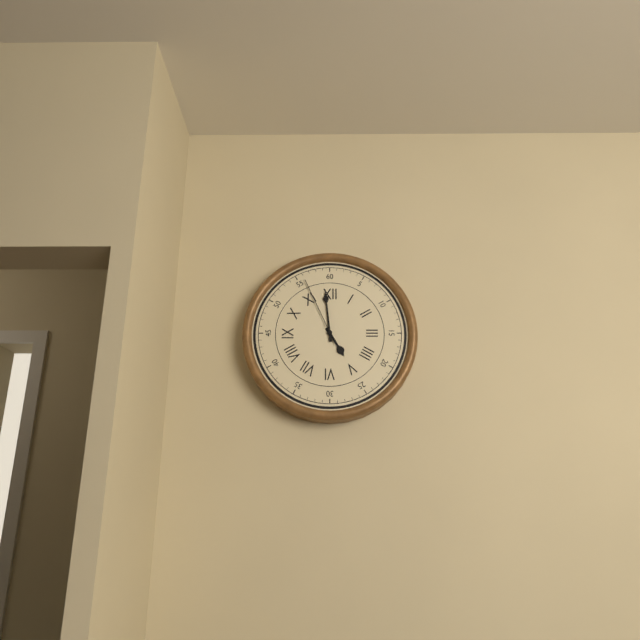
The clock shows **4:59:56**
